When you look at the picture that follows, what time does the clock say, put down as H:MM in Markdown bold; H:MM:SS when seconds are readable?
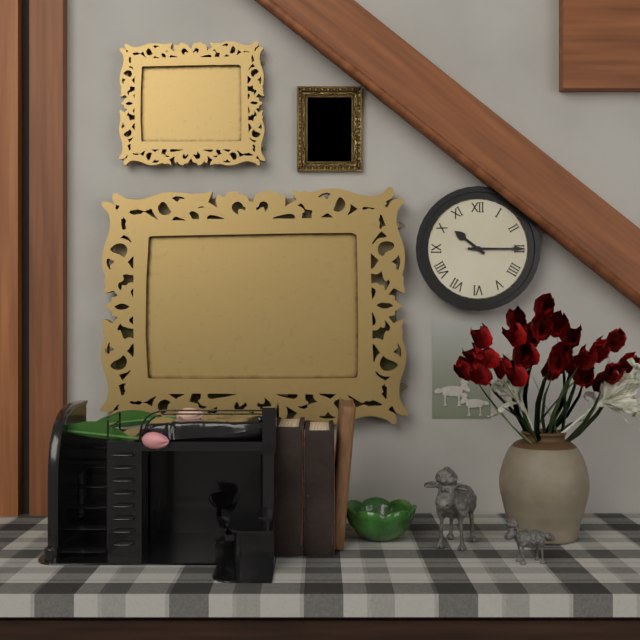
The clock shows **10:15**
